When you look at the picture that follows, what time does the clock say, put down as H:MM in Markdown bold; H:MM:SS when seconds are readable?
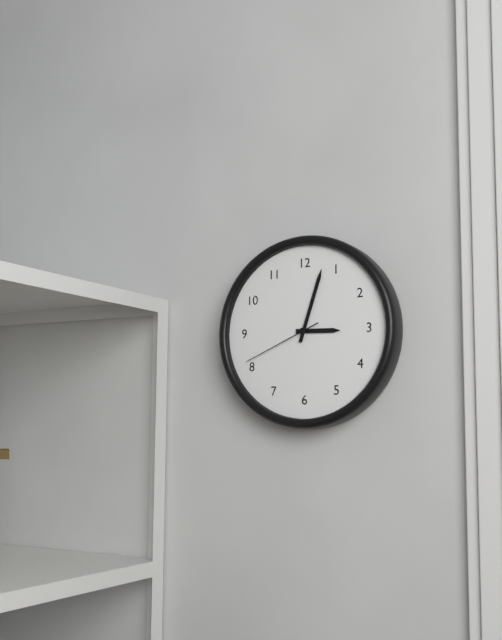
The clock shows **3:03:41**
